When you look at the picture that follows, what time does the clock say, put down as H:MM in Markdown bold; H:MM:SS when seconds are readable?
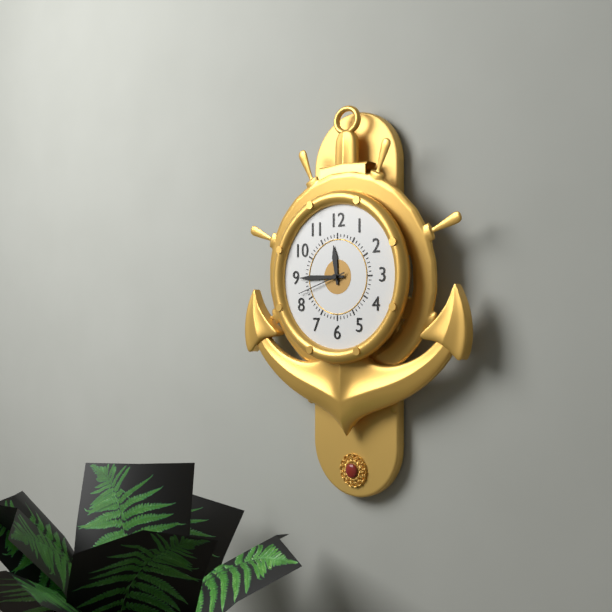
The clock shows **11:45:42**
